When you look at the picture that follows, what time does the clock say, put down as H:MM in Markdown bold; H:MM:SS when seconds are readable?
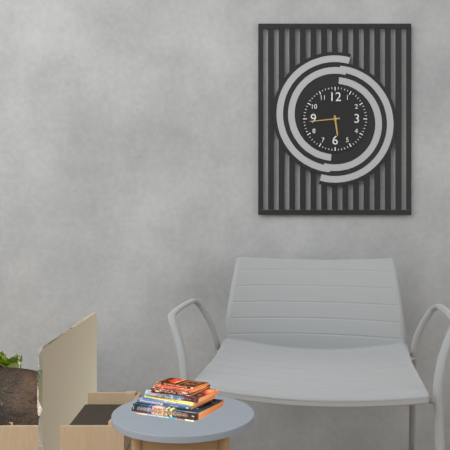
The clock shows **5:44**
